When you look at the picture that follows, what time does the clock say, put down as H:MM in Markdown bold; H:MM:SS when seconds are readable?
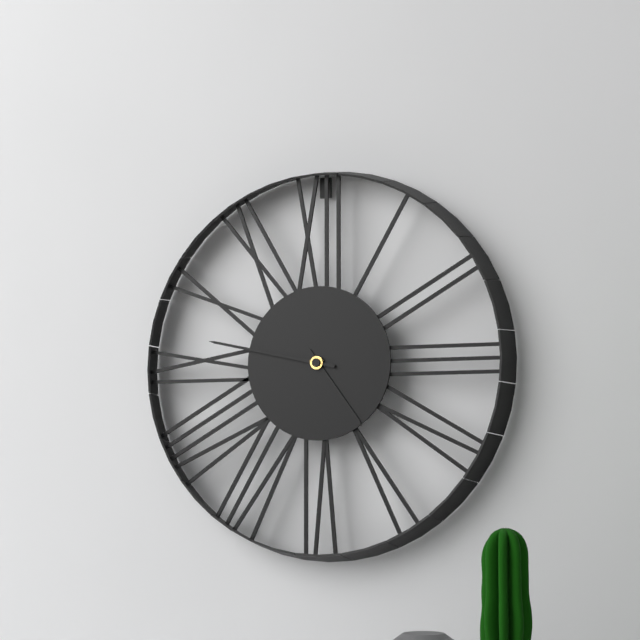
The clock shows **4:47**
